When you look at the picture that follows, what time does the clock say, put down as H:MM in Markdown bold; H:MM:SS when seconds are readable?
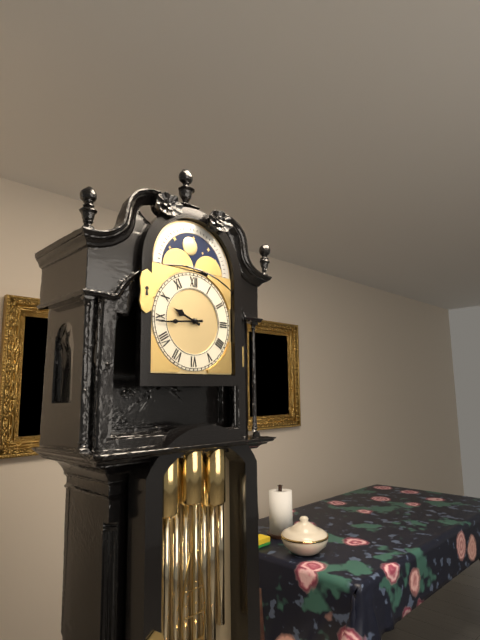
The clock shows **9:44**
